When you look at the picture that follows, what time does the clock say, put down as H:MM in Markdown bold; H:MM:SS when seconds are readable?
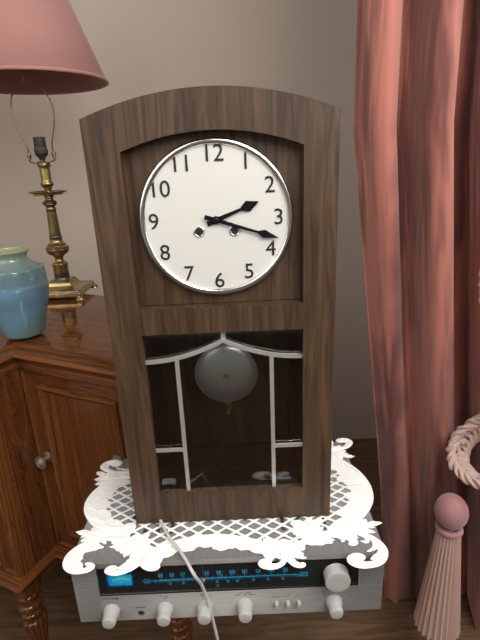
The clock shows **2:18**
